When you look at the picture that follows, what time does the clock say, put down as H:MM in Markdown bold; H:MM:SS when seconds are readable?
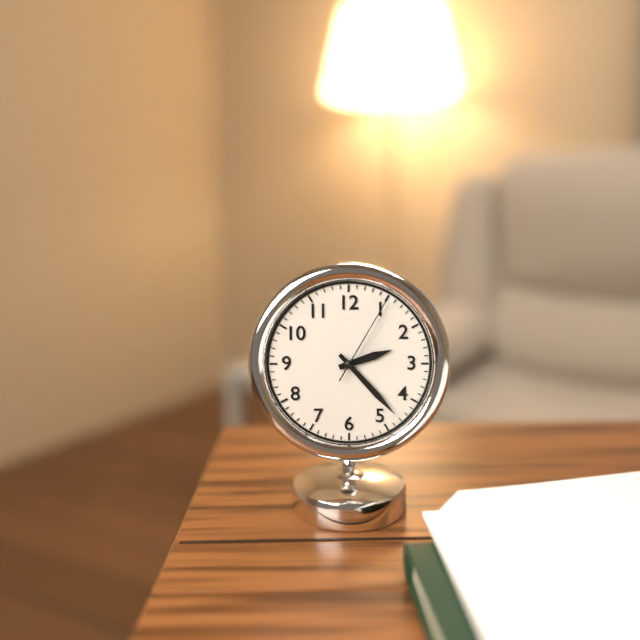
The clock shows **2:23:05**
